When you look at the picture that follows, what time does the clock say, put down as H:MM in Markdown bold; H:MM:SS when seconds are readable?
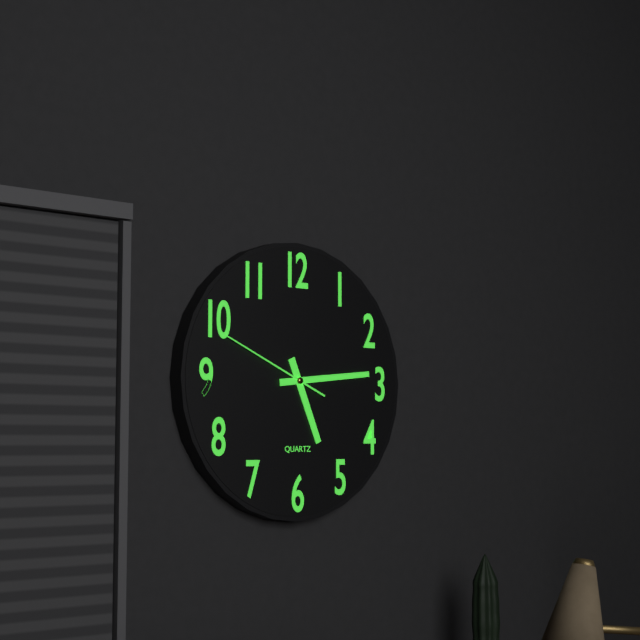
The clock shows **5:14:49**
